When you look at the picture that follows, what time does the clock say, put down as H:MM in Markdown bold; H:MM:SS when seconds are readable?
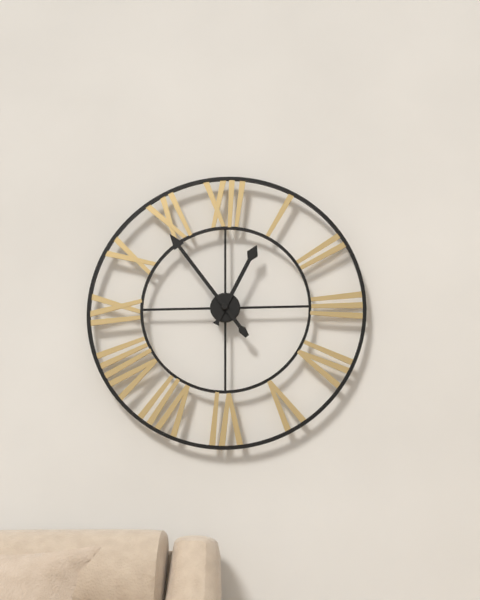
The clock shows **12:54**
